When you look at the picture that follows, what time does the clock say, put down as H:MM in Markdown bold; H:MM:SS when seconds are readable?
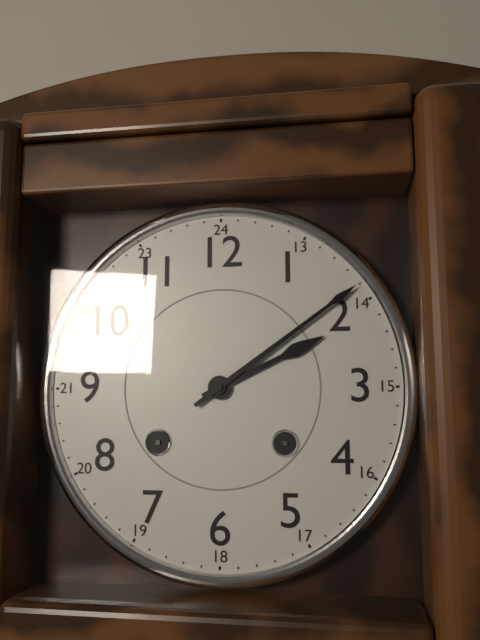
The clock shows **2:09**
